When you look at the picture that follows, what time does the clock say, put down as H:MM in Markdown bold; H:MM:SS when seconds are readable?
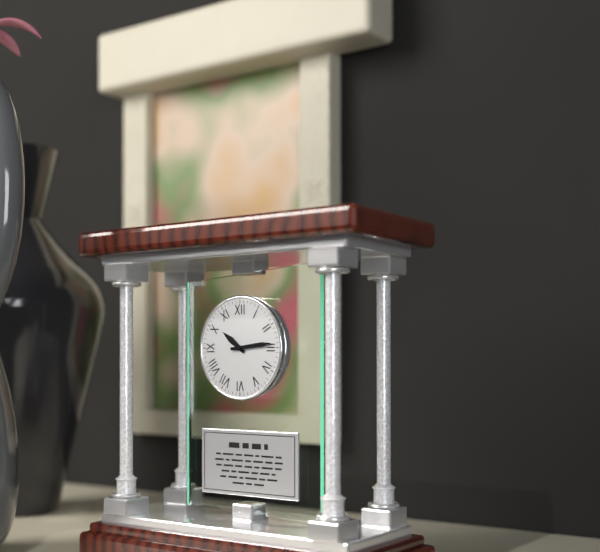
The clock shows **10:14**
